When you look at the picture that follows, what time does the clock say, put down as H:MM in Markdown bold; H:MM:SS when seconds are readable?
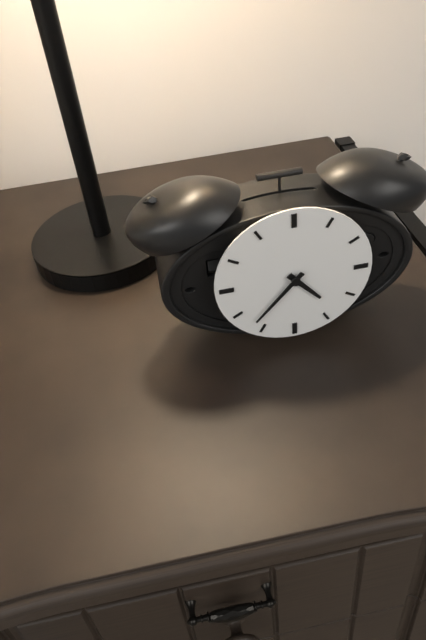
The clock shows **4:37**
